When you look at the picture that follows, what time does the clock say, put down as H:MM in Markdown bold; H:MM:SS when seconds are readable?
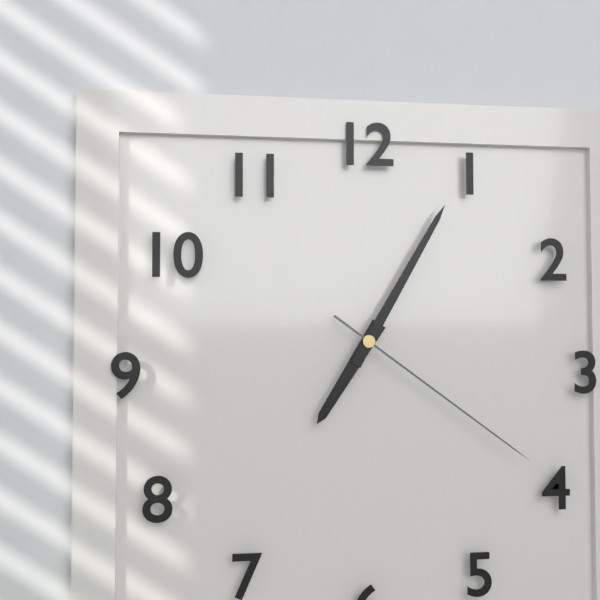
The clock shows **7:05:21**
